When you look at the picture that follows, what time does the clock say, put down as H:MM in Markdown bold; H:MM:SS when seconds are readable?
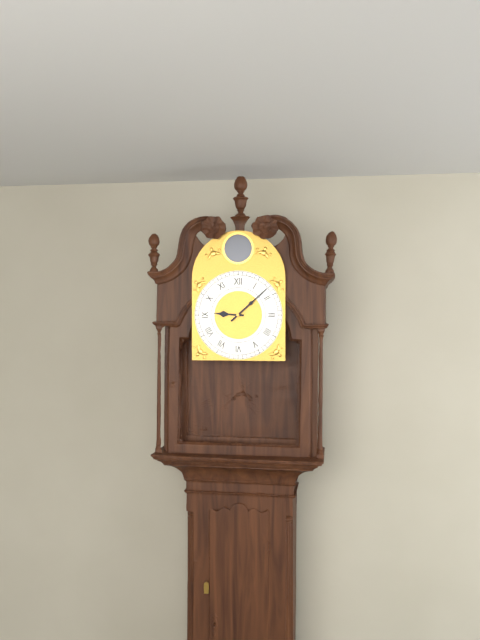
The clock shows **9:08**
